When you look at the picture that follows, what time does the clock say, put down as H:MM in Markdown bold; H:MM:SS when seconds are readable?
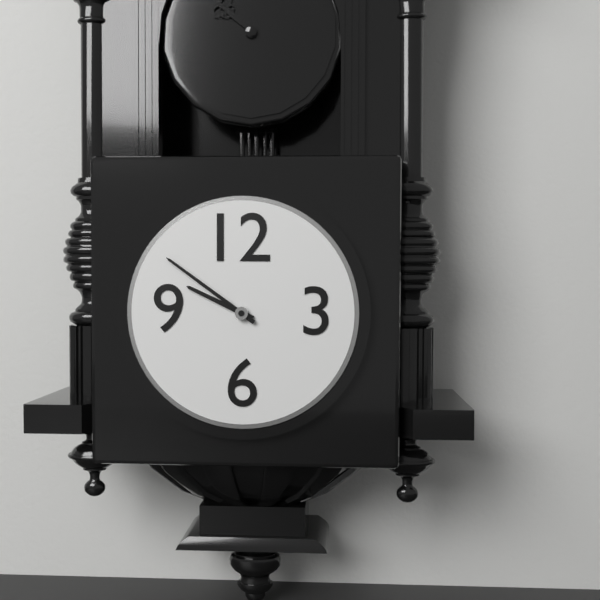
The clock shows **9:51**
